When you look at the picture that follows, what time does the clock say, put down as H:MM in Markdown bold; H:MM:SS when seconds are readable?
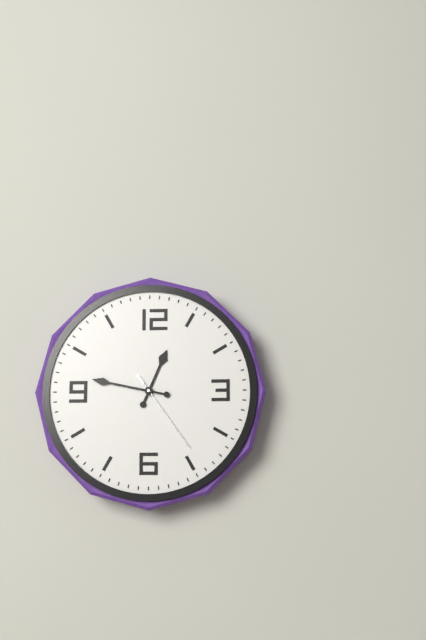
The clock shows **12:47:24**
